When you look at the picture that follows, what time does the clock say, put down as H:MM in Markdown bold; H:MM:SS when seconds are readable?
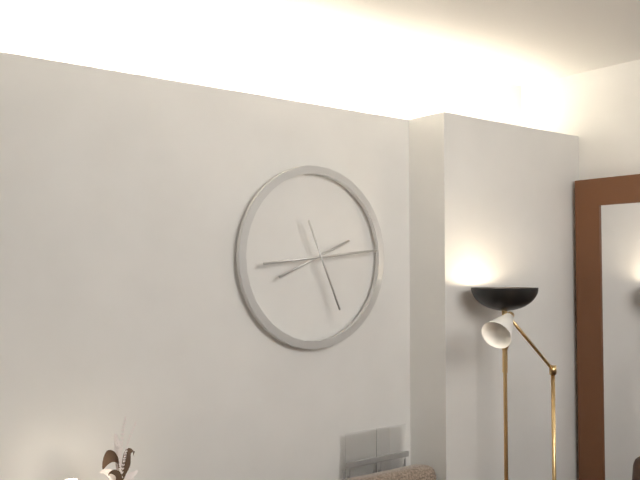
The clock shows **8:14:26**
